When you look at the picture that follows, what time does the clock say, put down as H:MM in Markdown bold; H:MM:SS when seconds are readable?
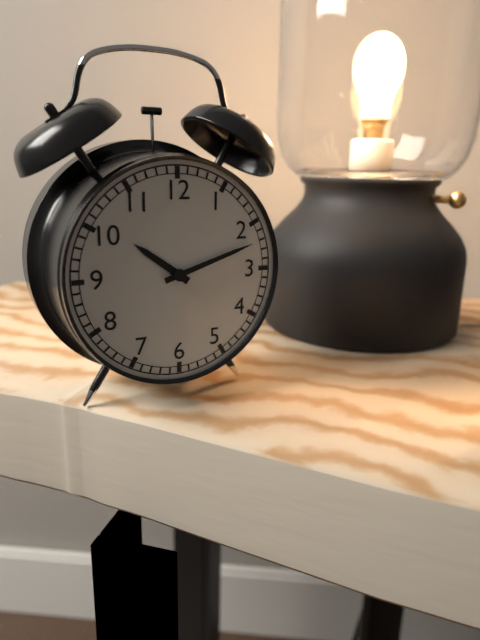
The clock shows **10:12**
